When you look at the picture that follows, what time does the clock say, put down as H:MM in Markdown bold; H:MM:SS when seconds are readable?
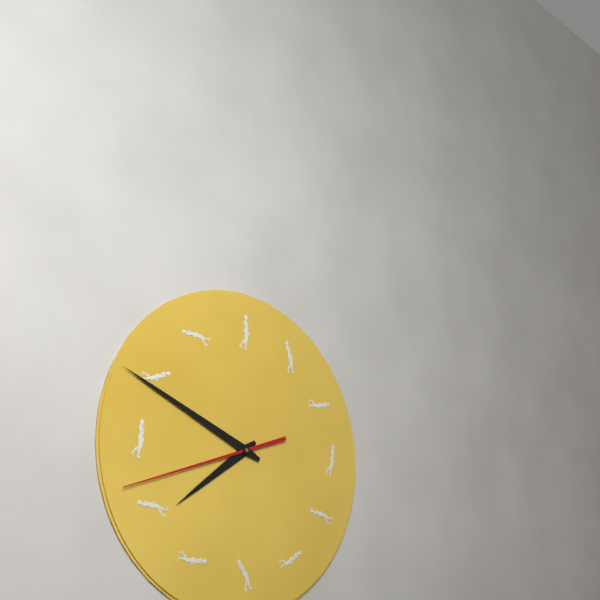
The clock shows **7:49:42**
